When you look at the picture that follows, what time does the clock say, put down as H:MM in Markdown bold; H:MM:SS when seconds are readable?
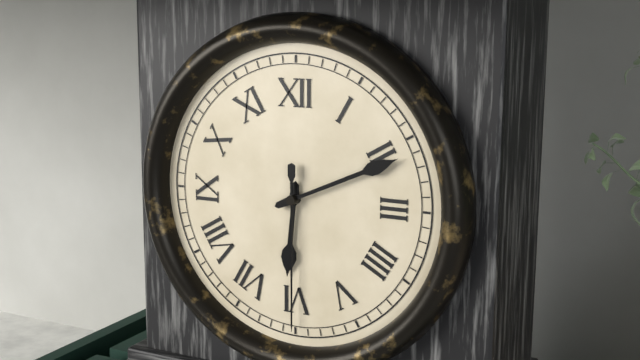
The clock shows **6:11:30**
